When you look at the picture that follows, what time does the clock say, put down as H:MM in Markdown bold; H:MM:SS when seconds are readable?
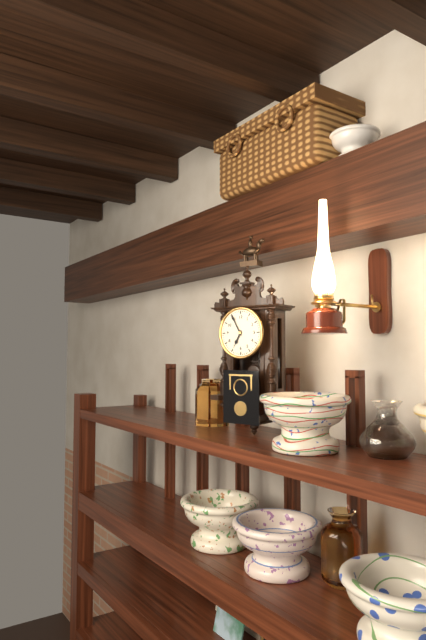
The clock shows **6:55**
